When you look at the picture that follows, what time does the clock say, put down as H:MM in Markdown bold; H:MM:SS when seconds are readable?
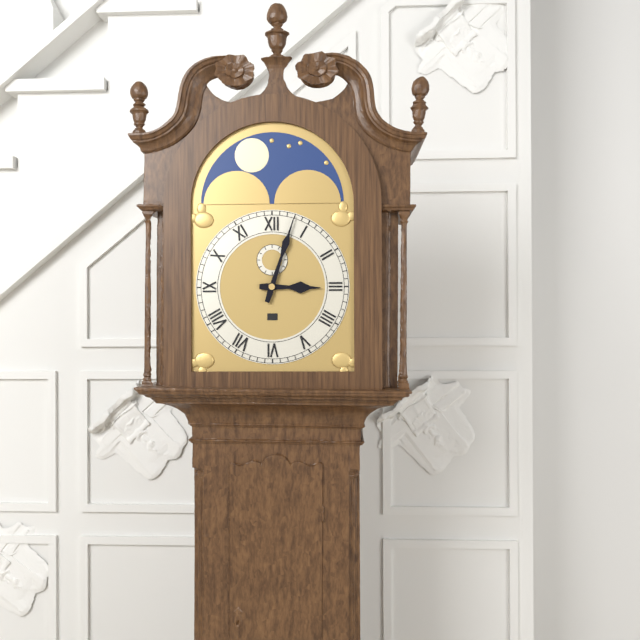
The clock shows **3:03**
